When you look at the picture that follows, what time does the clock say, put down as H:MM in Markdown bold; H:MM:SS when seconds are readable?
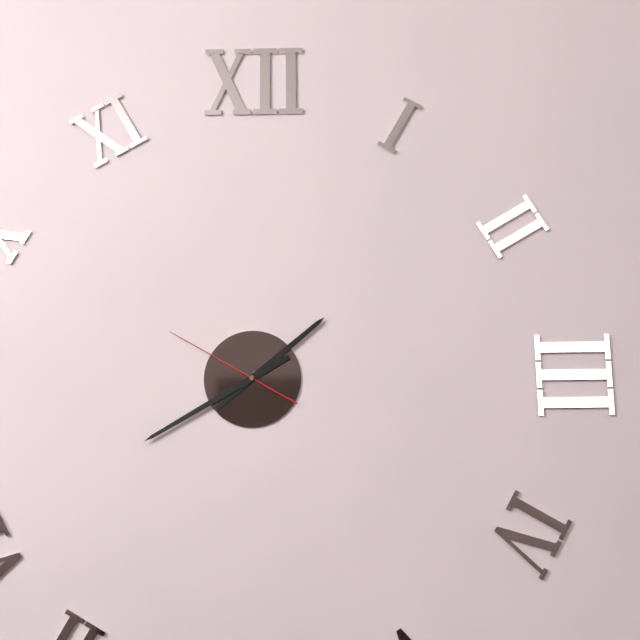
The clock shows **1:40:50**
